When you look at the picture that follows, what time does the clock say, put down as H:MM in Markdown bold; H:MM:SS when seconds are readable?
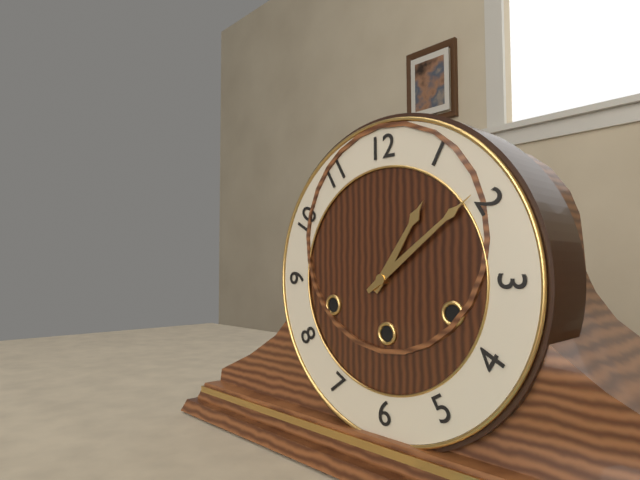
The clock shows **1:09**
